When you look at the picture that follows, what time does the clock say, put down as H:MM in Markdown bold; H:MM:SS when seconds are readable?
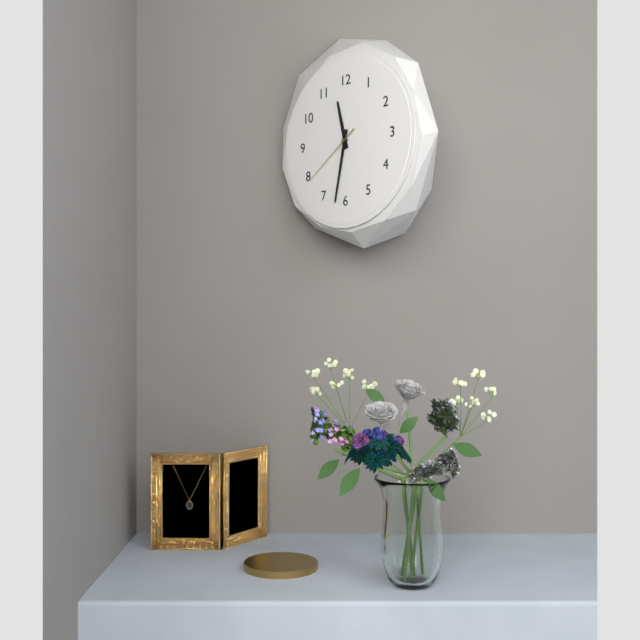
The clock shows **11:32:39**
